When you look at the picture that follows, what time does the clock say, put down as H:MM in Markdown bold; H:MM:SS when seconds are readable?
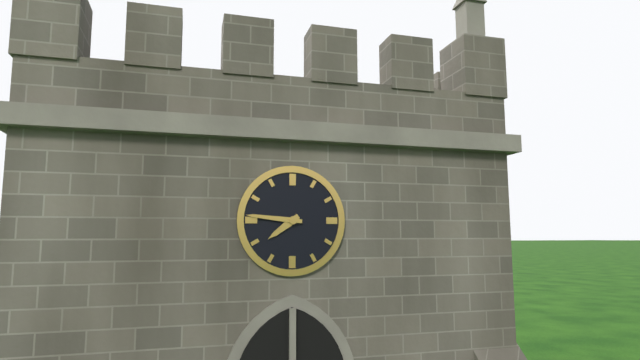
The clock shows **7:46**
